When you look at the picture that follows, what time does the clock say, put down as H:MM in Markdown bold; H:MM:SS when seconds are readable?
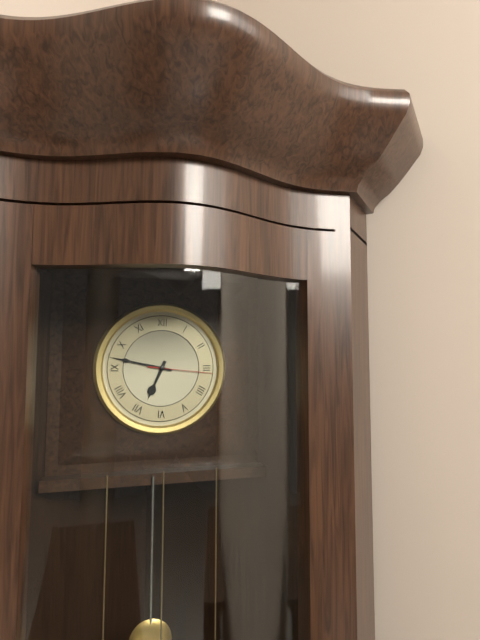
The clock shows **6:47:16**
